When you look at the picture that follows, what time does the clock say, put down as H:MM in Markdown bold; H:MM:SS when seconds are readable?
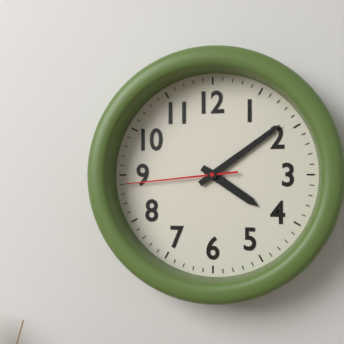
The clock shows **4:09:44**
